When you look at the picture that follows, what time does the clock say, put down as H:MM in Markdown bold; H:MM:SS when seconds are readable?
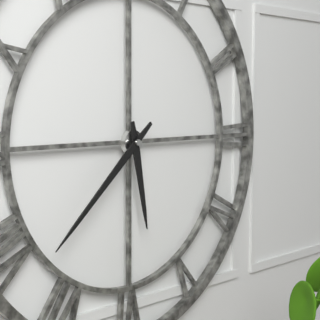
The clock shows **5:38**
